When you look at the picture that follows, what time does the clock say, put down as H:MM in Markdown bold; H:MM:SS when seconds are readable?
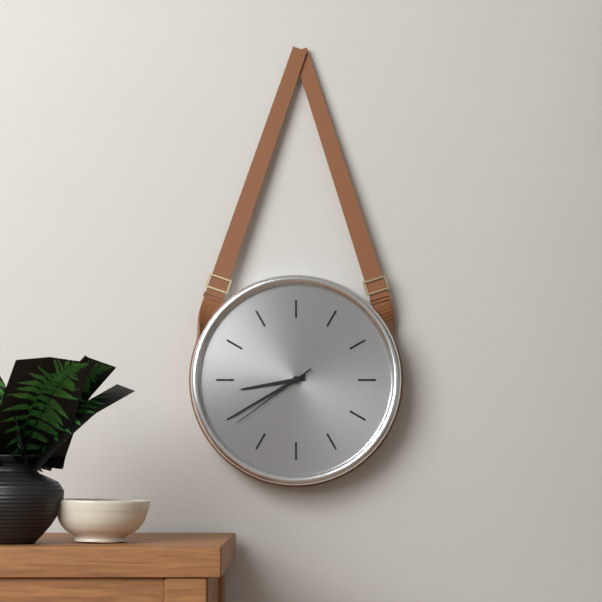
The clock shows **8:40:39**
